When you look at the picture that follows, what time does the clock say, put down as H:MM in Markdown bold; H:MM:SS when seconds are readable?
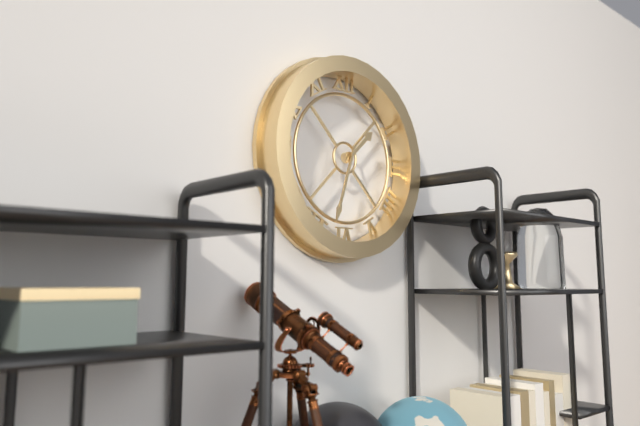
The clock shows **1:33**
